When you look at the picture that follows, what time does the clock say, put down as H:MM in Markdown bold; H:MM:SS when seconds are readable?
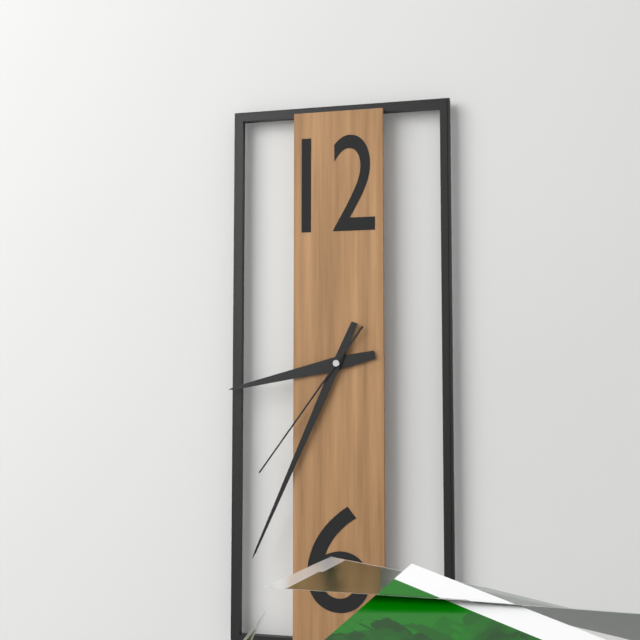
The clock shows **8:34:36**
